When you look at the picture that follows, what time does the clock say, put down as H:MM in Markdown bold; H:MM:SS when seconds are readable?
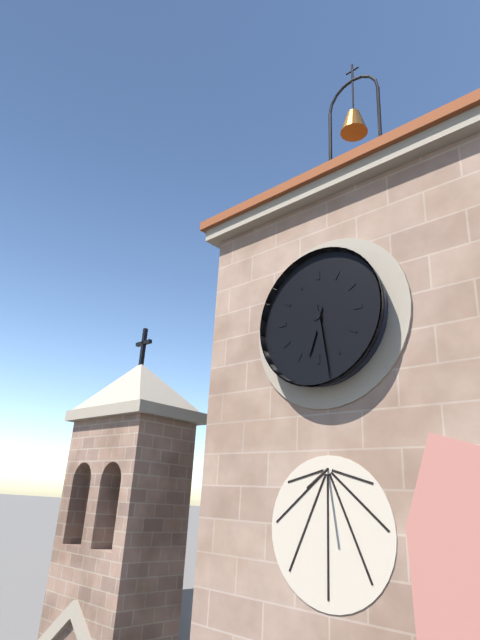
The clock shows **6:28**
